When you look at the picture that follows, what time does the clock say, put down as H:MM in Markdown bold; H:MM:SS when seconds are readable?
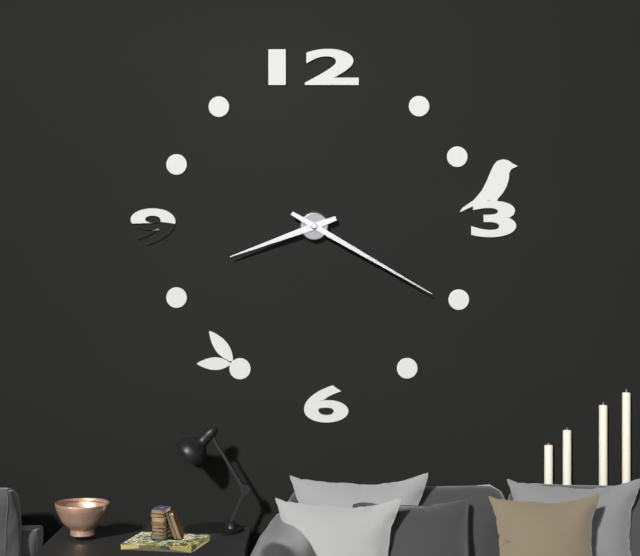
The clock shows **8:20**
